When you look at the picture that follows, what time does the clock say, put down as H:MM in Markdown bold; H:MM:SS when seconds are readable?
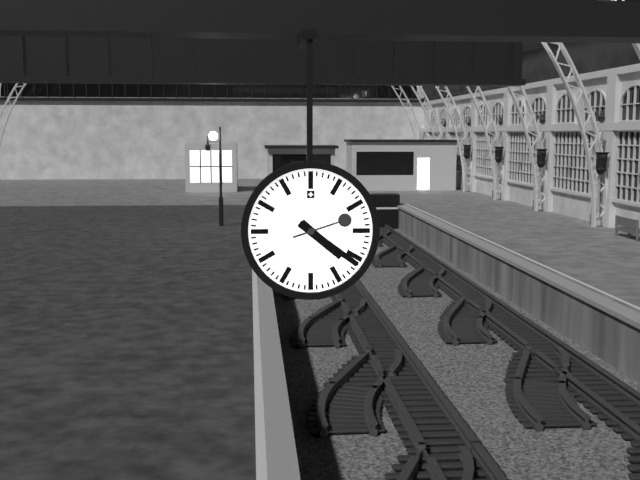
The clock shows **4:21:12**
